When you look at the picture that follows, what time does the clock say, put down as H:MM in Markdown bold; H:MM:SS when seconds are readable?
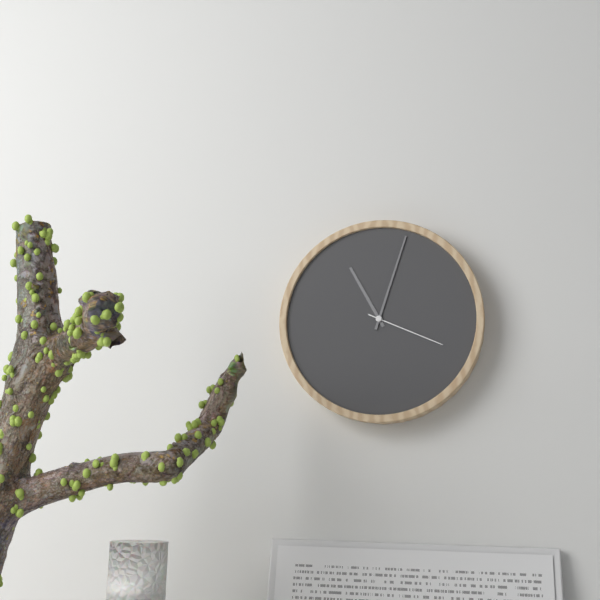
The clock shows **11:03:19**
